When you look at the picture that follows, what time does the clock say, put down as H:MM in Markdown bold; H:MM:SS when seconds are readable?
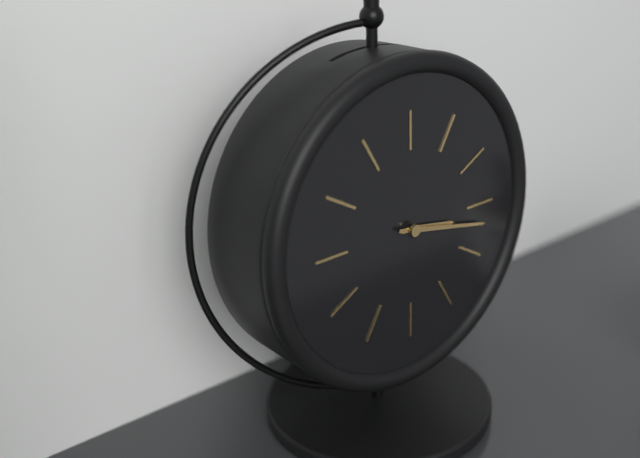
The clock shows **3:17**
